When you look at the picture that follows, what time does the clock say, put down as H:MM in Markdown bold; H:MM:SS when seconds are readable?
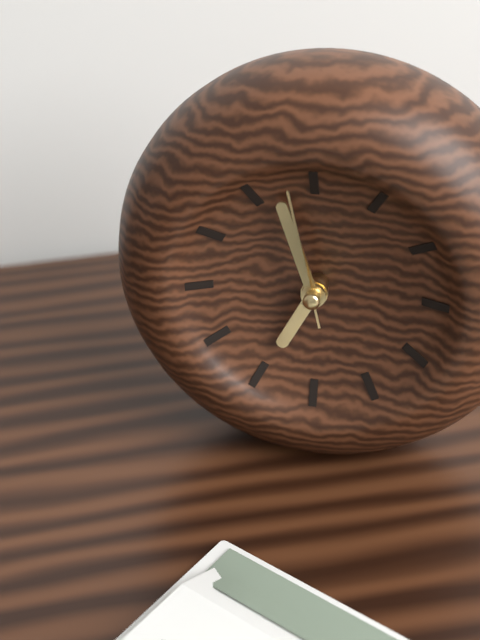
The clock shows **6:57:58**
